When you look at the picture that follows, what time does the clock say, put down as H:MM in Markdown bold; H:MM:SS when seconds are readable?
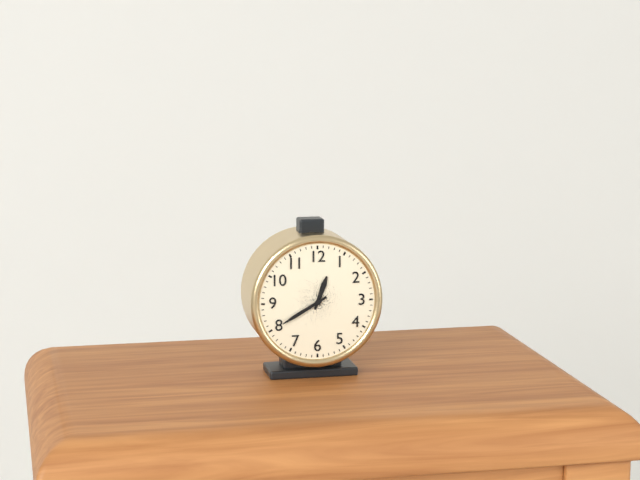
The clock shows **12:40**
